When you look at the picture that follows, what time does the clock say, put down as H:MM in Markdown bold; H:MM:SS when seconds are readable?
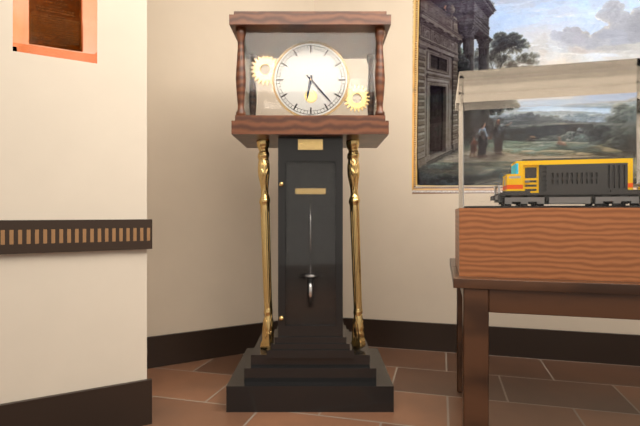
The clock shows **6:23**
